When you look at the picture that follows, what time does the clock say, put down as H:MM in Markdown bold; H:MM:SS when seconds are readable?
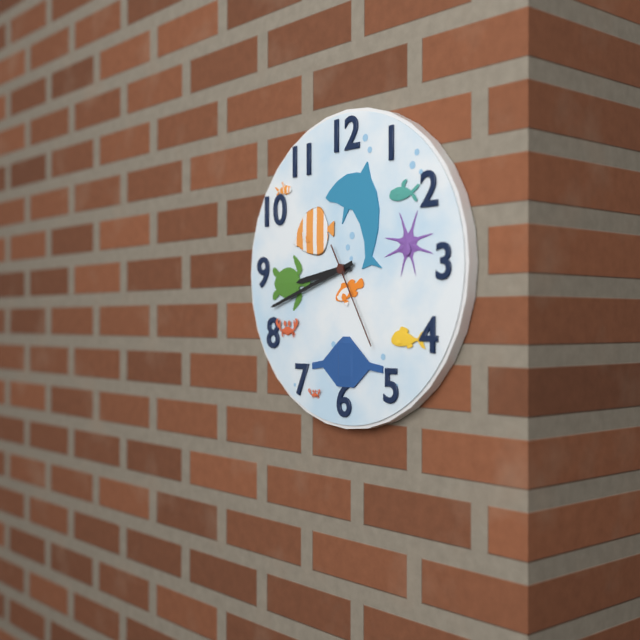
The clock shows **8:42:25**
